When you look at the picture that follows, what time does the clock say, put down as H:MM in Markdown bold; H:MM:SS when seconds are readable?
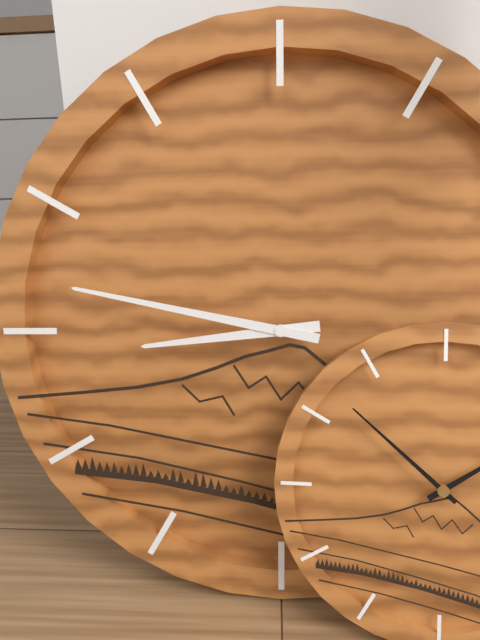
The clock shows **8:47**
